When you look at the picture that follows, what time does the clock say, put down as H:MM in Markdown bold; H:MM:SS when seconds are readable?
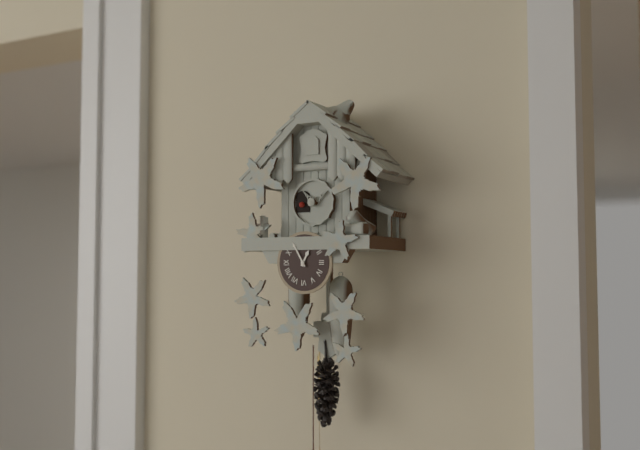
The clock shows **12:55**
